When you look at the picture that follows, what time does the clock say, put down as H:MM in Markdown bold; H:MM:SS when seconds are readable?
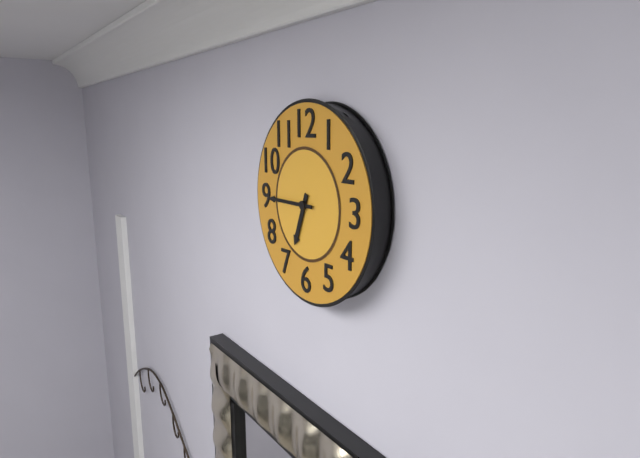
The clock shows **6:45**
